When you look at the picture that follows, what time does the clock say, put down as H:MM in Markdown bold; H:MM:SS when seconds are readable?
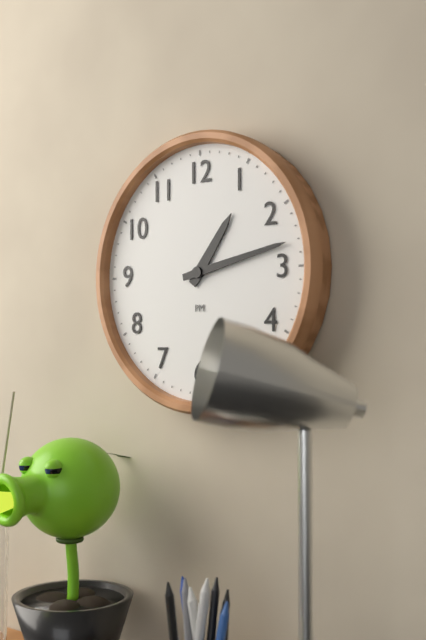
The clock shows **1:13**
